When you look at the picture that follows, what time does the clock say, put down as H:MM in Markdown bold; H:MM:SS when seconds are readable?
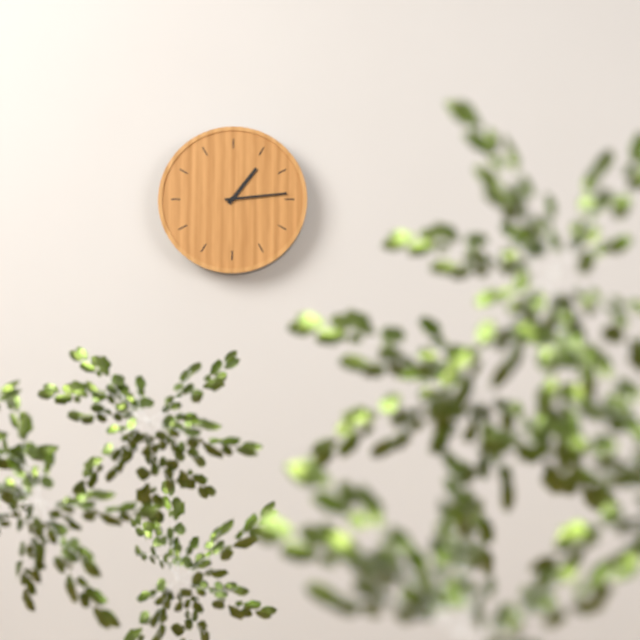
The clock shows **1:14**
